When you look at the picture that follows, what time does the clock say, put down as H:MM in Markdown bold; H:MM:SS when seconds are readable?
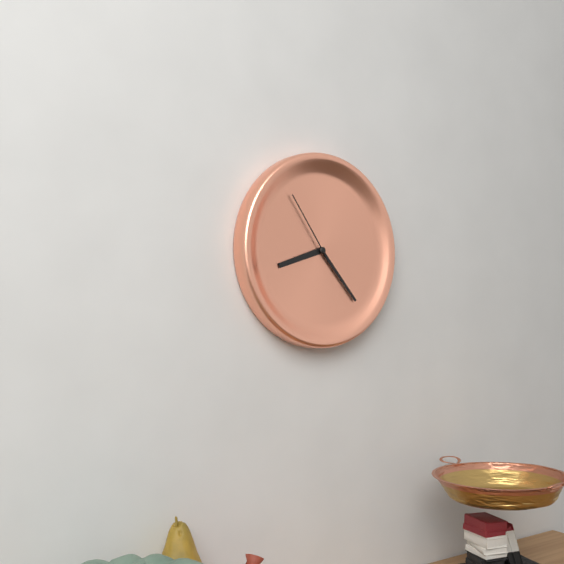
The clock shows **8:23:54**
